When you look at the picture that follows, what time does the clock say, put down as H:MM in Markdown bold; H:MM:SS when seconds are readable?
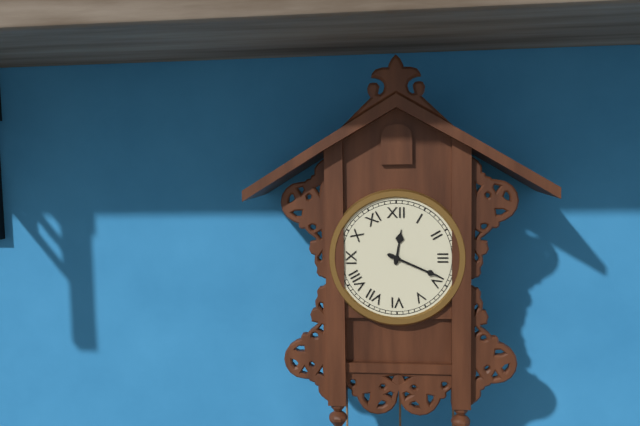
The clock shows **12:19**
